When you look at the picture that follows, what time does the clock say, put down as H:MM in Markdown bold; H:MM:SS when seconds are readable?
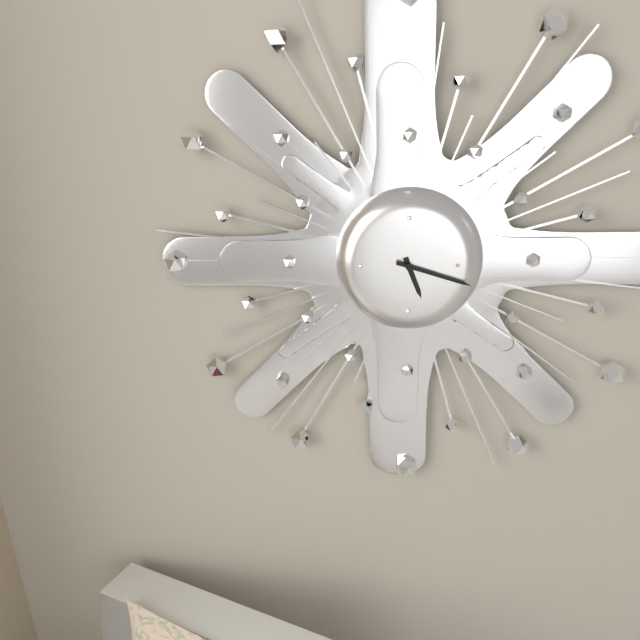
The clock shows **5:18**
